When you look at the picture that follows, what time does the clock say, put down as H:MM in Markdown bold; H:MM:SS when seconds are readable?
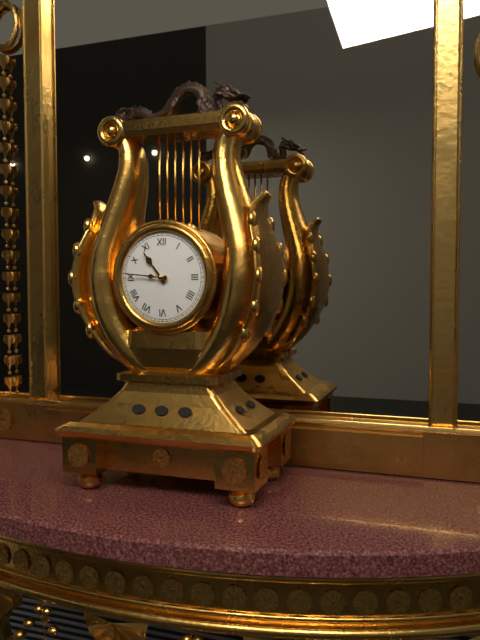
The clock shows **10:46**
